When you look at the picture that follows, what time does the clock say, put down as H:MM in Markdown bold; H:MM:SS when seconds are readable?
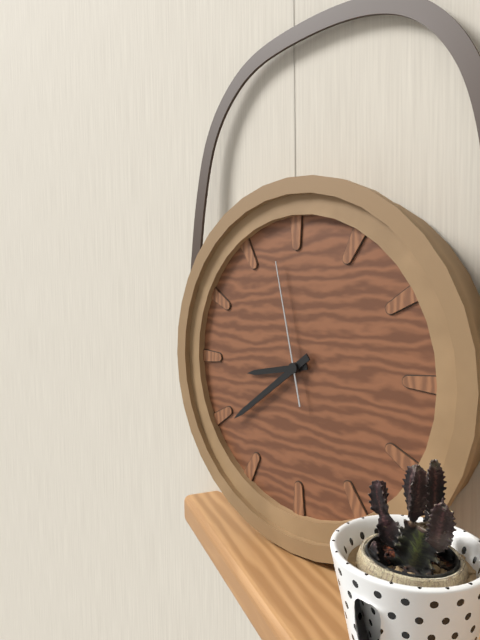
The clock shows **8:39:58**
